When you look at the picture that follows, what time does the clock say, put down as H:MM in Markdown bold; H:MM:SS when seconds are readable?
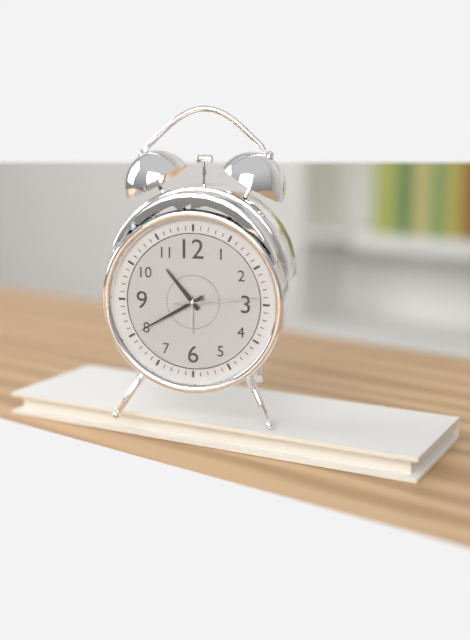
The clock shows **10:40:14**
